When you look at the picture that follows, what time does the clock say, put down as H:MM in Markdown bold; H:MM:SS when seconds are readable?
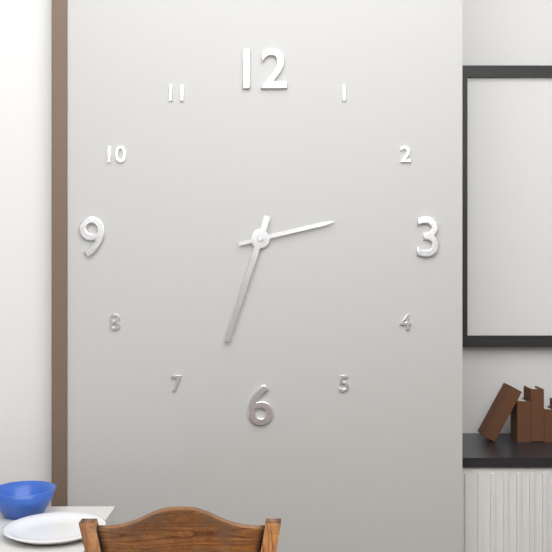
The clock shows **2:33**
